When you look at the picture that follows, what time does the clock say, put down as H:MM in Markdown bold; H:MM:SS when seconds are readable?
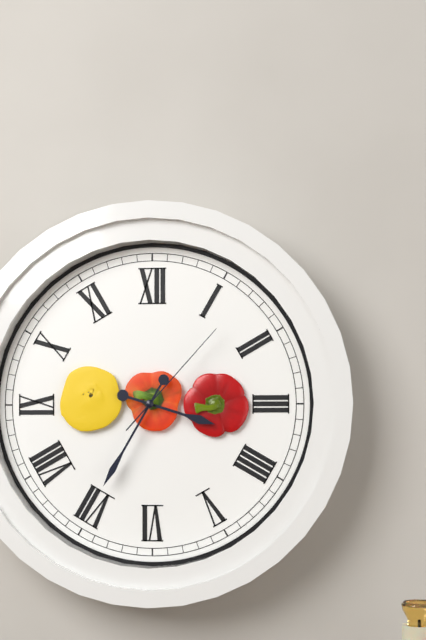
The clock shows **3:35:07**
